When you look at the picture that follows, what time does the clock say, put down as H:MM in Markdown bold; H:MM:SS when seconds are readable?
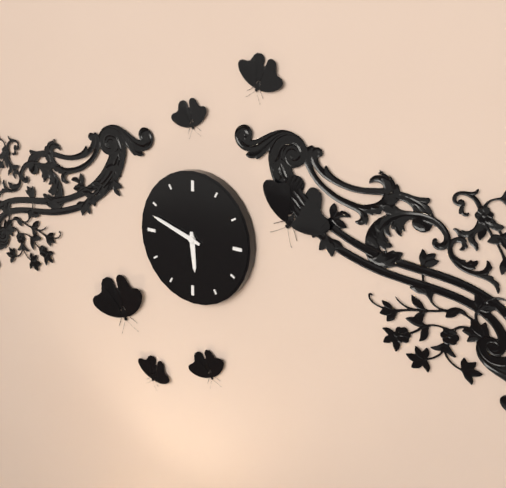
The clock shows **5:48**
